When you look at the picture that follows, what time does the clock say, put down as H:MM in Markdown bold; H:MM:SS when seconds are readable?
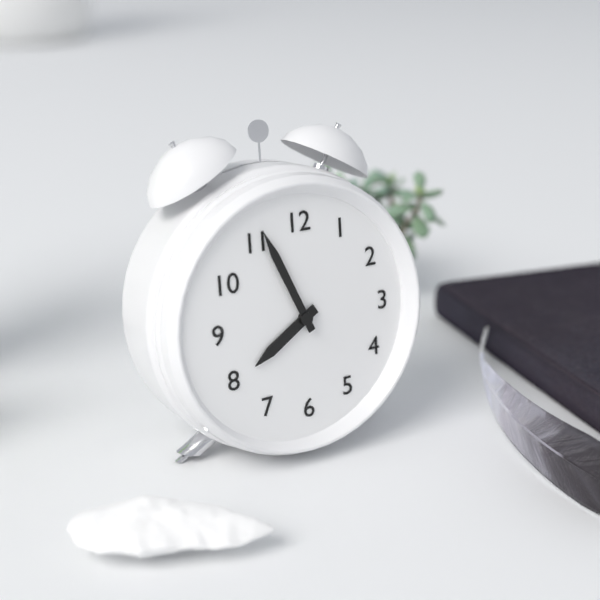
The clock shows **7:56**
